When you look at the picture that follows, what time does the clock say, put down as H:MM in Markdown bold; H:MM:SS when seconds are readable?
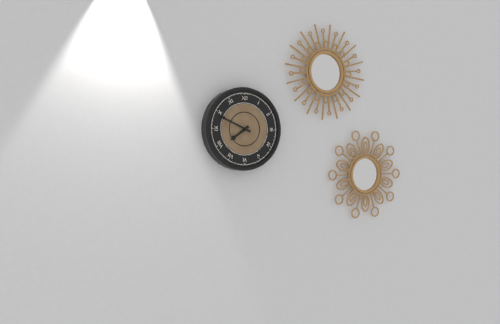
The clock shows **7:49**
